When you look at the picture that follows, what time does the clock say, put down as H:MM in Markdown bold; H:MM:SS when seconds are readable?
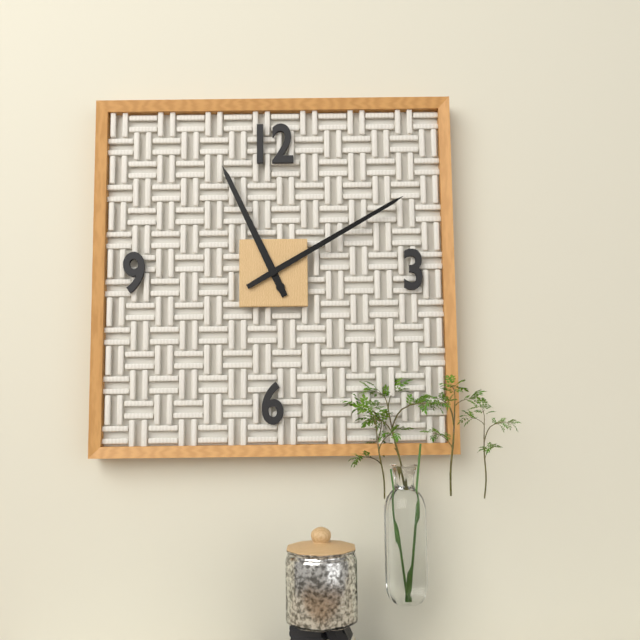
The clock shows **11:10**
